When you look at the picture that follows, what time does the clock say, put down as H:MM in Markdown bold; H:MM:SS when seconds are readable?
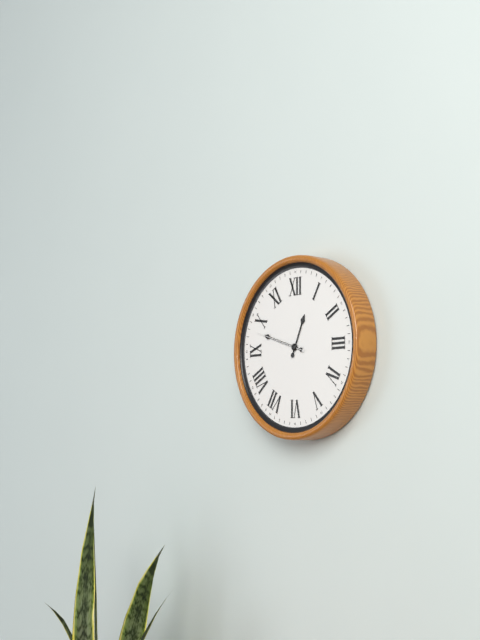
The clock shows **12:48**
